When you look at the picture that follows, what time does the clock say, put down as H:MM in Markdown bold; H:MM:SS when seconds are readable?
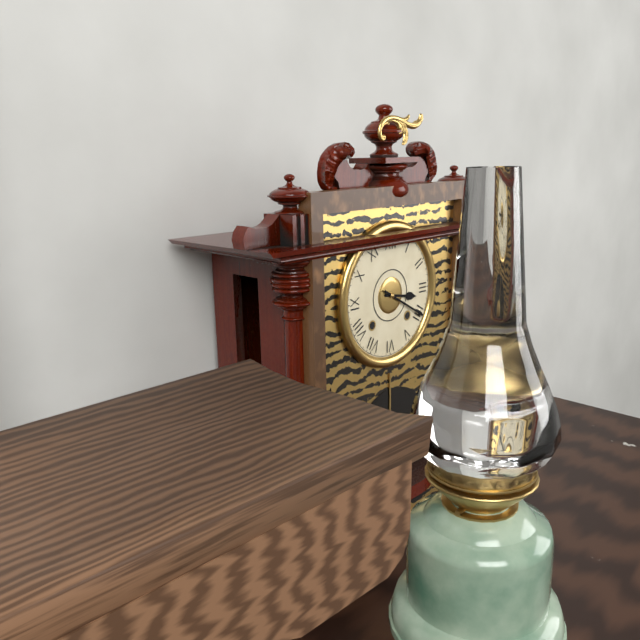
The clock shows **3:20**
